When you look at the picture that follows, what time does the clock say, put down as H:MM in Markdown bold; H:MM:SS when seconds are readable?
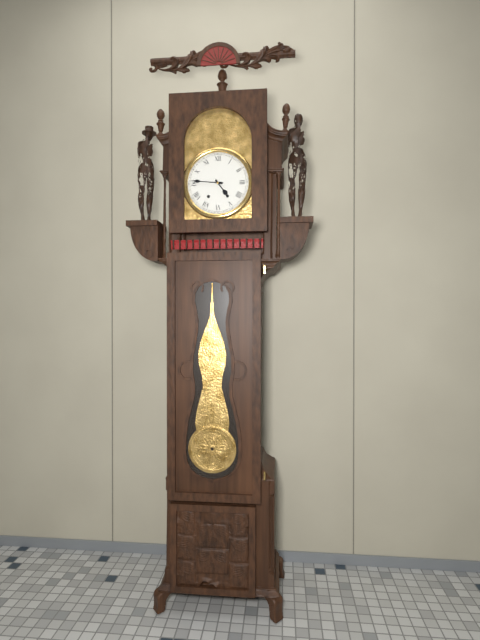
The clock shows **4:46**
